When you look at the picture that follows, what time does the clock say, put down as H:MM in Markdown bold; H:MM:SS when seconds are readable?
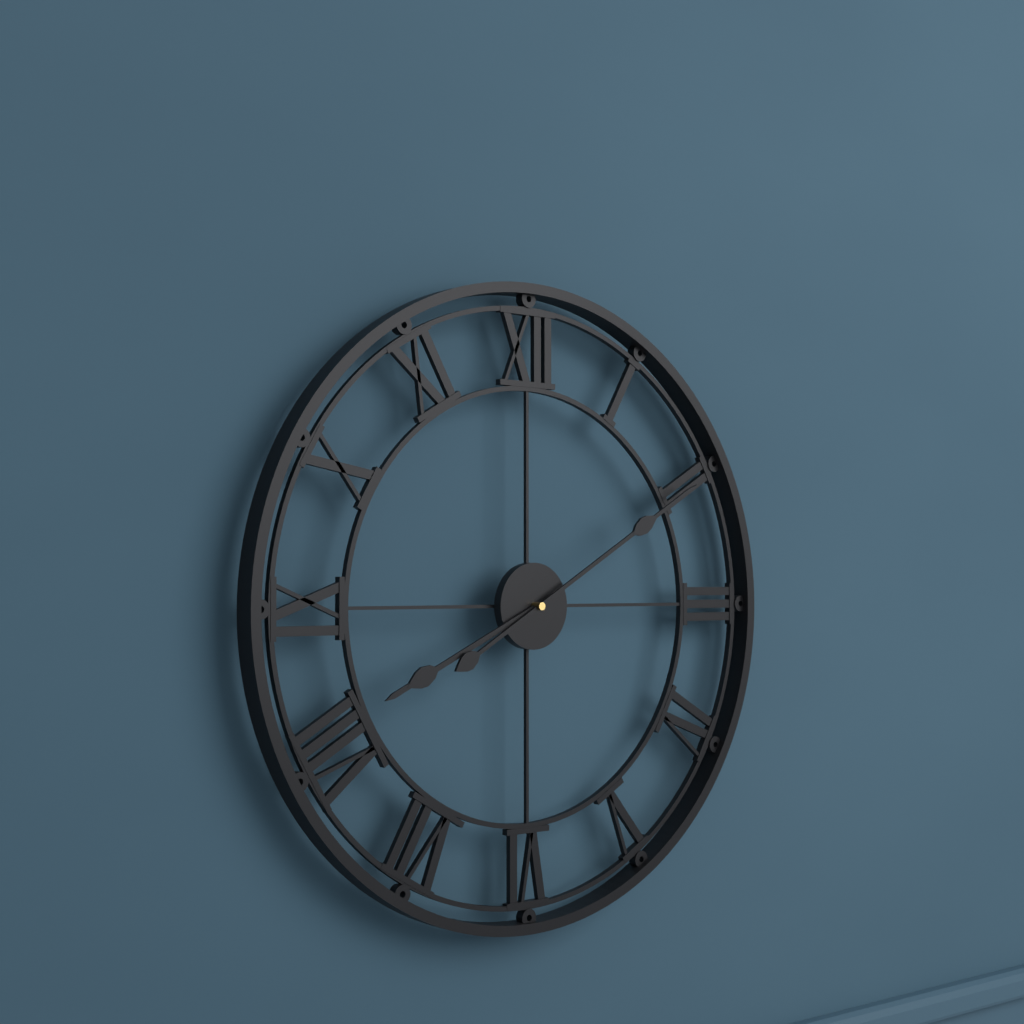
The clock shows **8:10**
